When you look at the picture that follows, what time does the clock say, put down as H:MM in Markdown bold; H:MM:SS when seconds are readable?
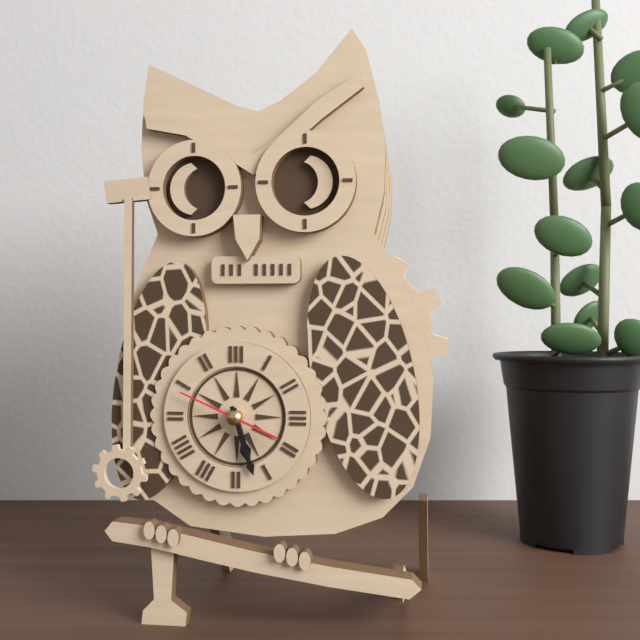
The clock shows **5:27:49**
